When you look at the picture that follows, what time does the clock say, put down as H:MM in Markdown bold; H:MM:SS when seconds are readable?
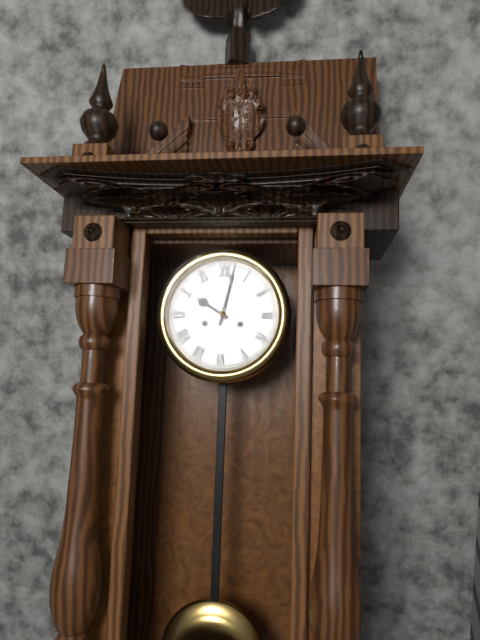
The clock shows **10:02**
